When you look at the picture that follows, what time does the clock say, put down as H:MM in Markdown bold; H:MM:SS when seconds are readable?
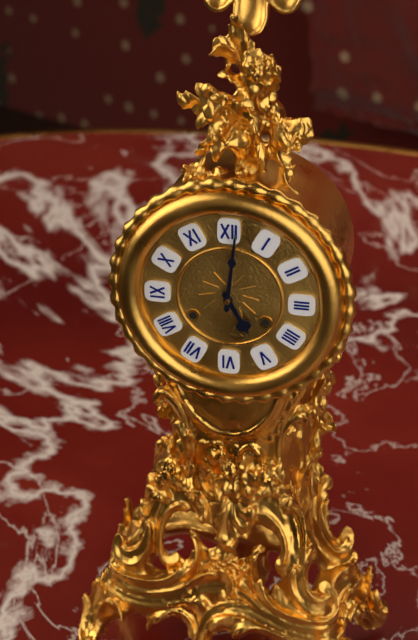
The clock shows **5:01**
